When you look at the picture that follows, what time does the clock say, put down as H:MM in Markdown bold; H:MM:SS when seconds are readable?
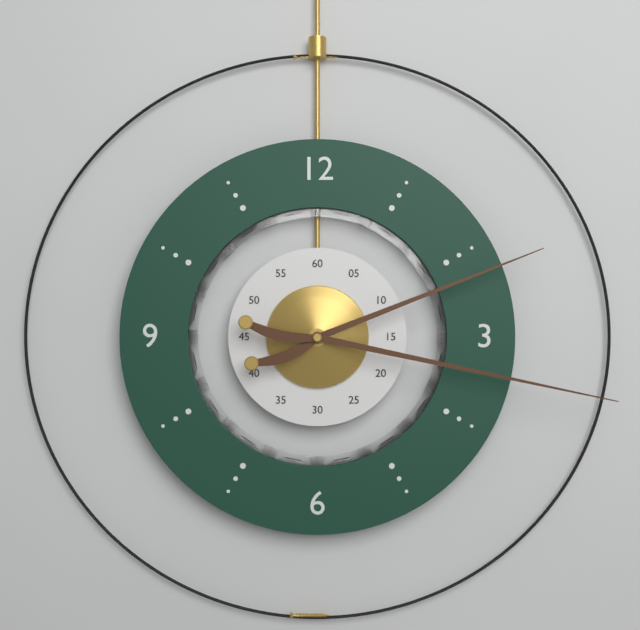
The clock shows **2:17**
